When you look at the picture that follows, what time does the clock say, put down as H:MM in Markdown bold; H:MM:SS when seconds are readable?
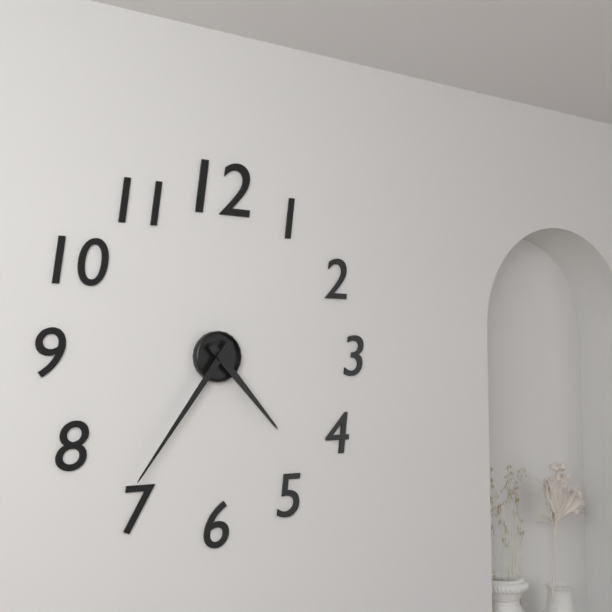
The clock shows **4:36**
